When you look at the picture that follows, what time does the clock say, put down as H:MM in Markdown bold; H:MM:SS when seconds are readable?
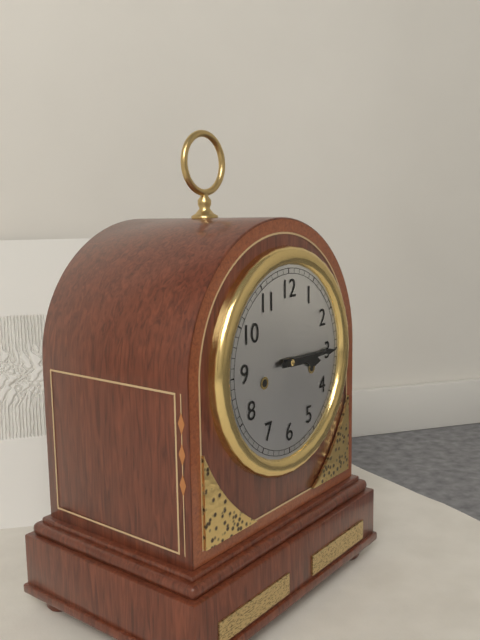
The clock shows **3:15**
